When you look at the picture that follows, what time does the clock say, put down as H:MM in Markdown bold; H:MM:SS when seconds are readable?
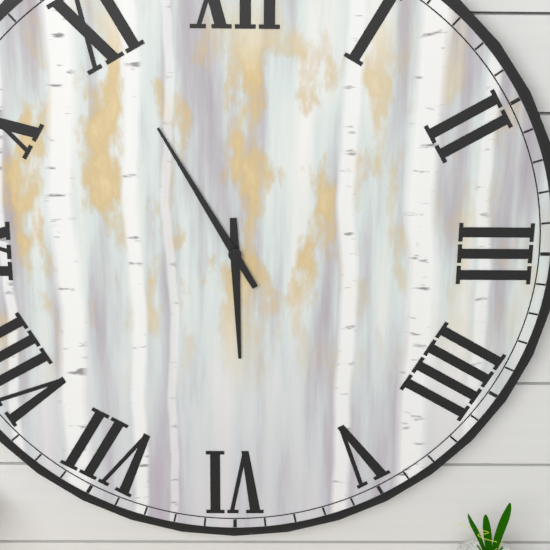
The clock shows **5:55**
